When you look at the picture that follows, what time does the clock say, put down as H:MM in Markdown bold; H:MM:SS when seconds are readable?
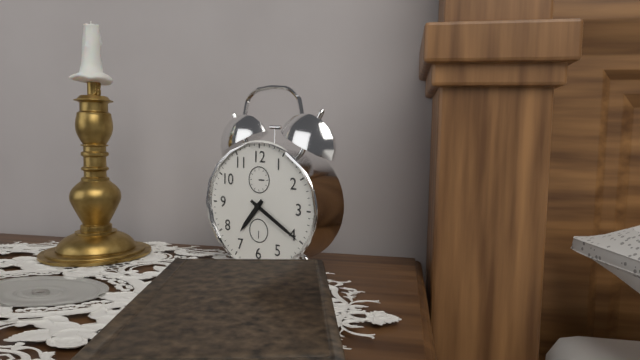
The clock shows **7:20**
